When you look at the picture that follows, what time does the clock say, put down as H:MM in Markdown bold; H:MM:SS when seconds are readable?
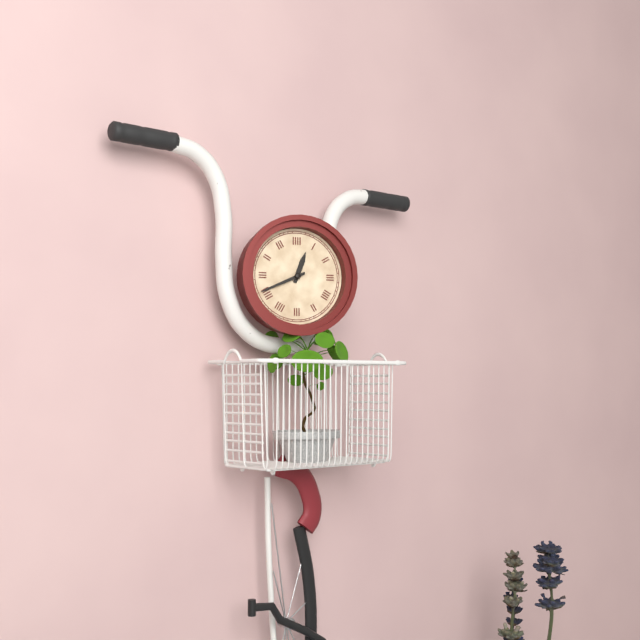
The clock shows **12:41**
